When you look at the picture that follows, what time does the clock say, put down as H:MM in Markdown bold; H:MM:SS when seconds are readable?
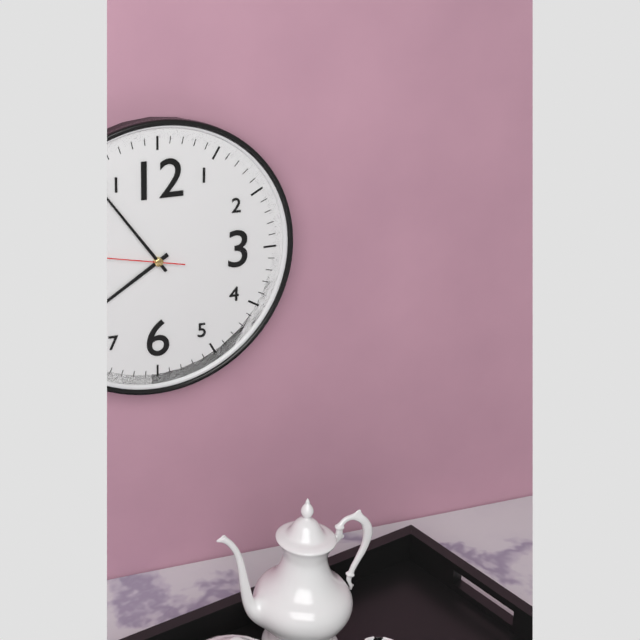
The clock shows **7:54**
